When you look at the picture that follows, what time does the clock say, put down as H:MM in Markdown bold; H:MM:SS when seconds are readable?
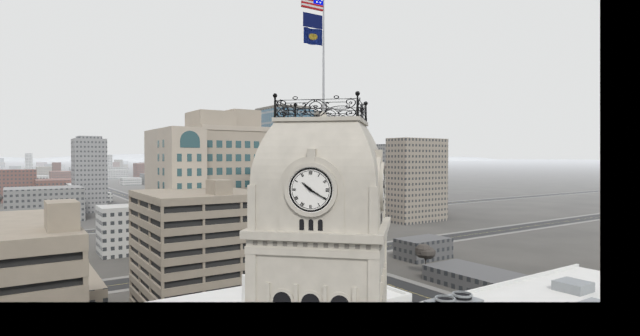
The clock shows **10:20**
